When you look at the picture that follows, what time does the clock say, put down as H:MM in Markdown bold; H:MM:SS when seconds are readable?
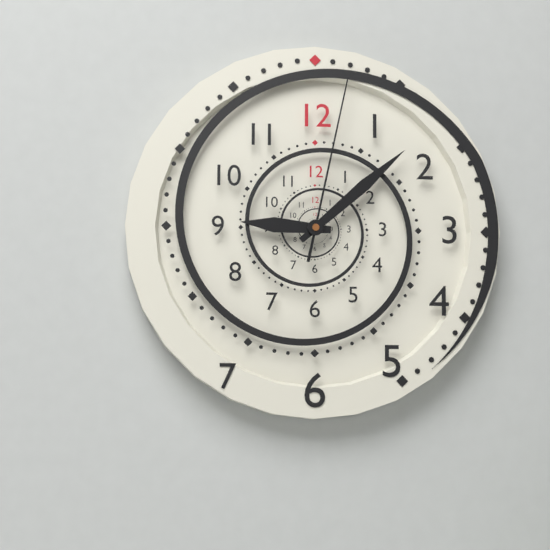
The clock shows **9:08:02**
